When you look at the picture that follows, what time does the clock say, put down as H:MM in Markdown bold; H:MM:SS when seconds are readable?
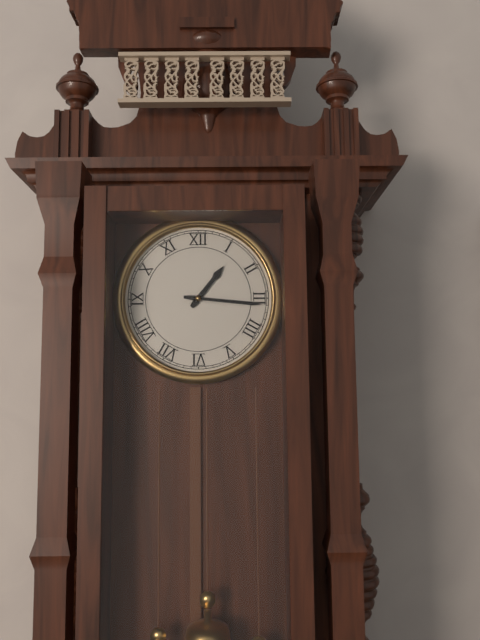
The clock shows **1:16**
